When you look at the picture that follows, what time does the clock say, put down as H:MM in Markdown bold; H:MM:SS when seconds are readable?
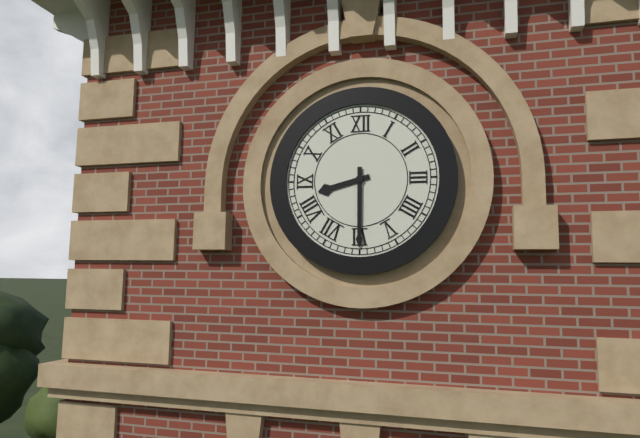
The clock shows **8:30**
